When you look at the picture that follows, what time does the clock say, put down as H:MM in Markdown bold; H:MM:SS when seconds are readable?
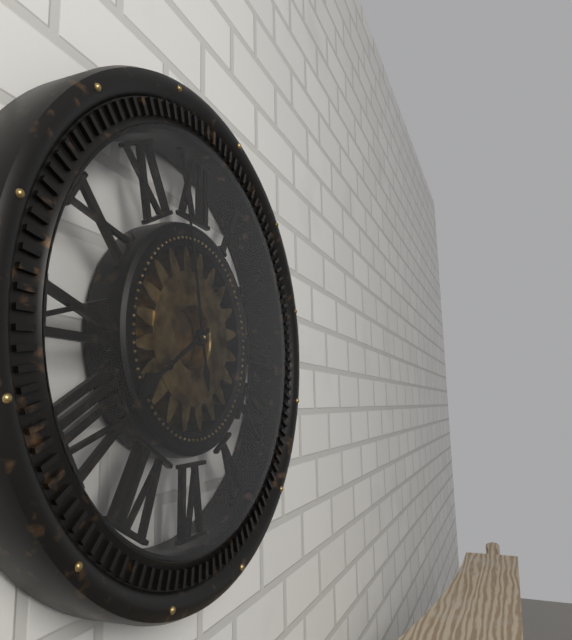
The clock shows **7:58**
